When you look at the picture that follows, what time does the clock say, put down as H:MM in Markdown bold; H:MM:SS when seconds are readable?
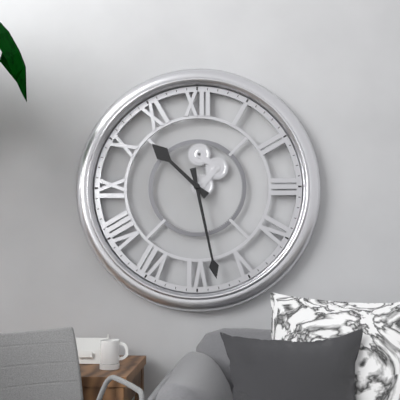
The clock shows **10:28**
